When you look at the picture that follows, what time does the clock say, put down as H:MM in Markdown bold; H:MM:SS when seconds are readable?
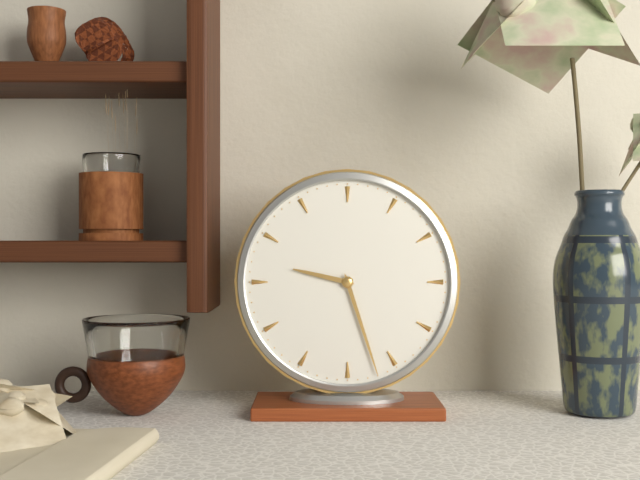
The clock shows **9:27**
